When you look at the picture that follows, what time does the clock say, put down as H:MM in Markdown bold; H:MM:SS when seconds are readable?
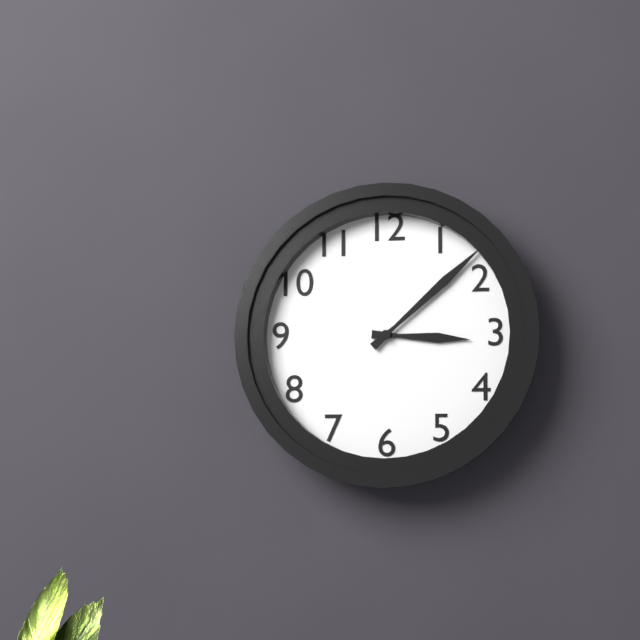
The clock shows **3:08**
